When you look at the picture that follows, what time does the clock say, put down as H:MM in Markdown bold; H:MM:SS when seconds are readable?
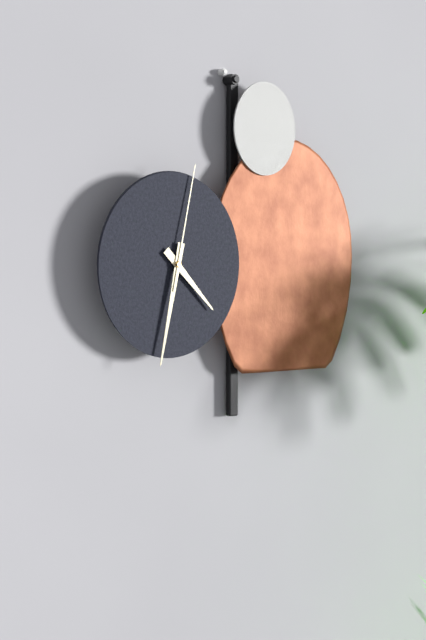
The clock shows **4:32:02**
